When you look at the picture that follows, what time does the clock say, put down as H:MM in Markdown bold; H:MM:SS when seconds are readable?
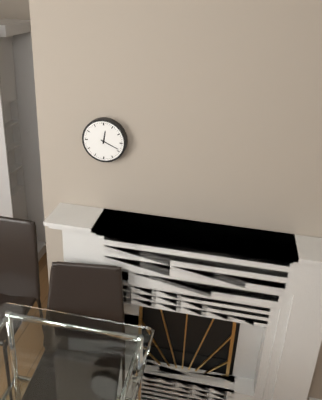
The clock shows **12:19**
